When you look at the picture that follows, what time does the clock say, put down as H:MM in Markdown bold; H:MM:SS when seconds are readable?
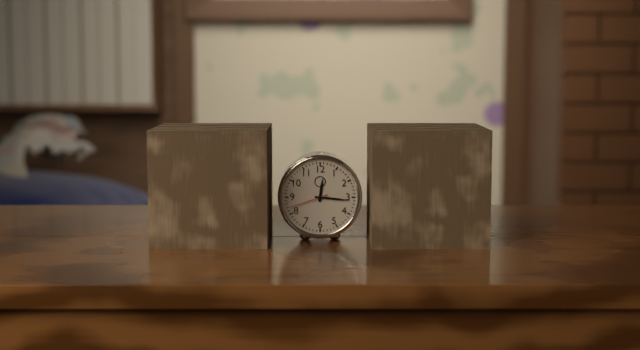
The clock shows **12:16**
